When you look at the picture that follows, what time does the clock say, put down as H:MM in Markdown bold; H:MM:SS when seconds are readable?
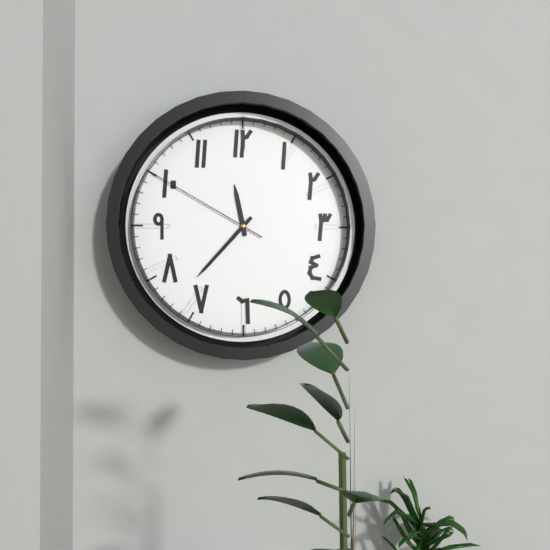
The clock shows **11:37:50**
